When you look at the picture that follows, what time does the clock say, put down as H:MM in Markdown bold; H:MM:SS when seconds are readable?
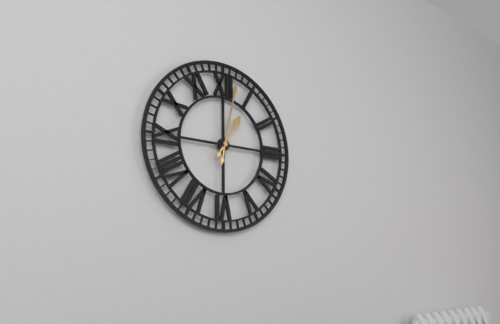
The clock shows **1:02**
